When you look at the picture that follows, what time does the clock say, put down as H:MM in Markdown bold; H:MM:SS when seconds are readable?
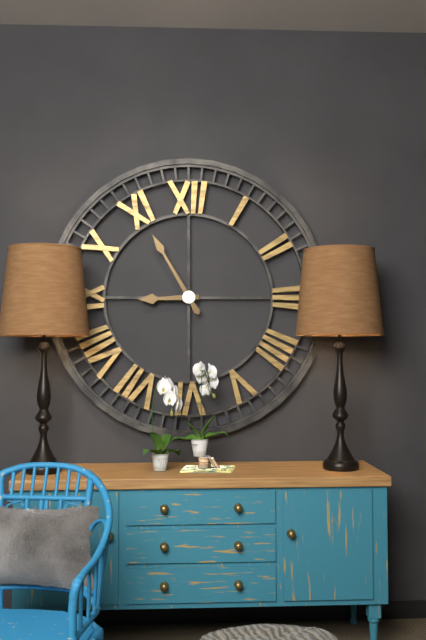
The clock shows **8:55**
